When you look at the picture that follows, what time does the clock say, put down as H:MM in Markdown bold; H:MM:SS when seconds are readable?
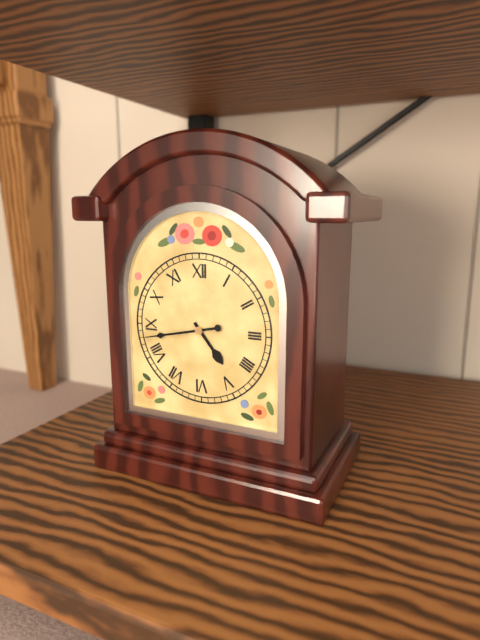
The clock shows **4:43**
